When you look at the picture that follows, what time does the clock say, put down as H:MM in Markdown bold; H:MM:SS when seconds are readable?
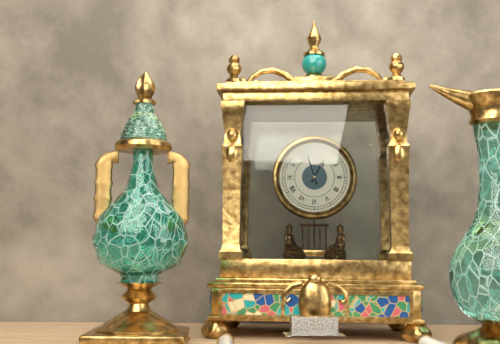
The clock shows **12:57**
